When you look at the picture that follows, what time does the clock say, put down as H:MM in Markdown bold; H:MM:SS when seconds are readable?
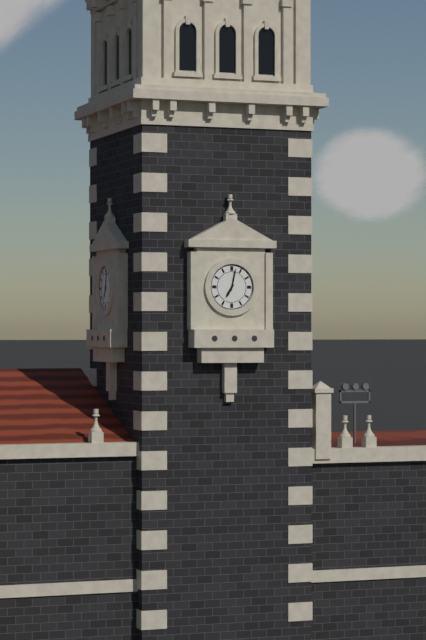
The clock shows **7:02**
